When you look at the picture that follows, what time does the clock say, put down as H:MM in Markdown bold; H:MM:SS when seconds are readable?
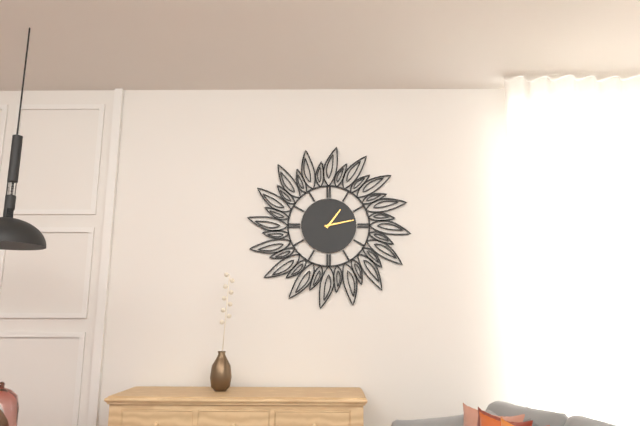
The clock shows **1:13**
